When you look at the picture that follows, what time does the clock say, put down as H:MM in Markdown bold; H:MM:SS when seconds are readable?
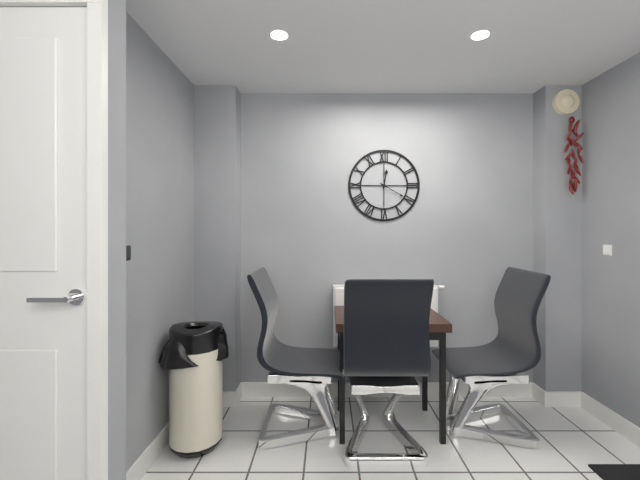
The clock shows **12:20**
